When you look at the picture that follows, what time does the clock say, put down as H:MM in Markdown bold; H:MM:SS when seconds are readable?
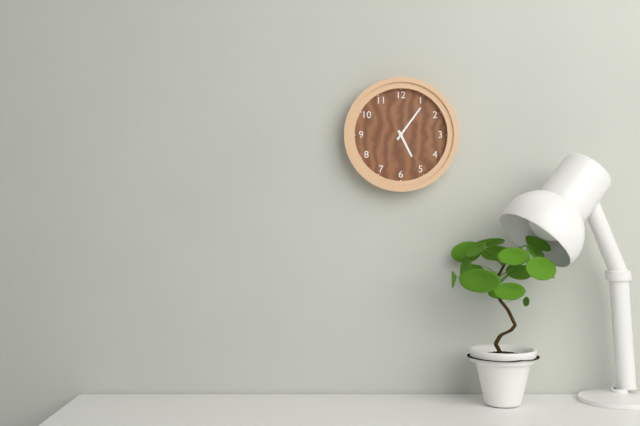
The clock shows **5:06**
